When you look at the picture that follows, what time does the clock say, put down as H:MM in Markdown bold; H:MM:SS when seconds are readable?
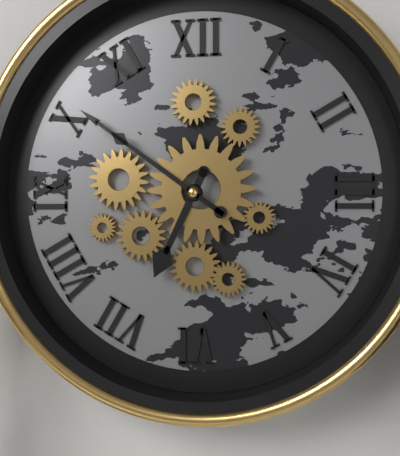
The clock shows **6:51**
